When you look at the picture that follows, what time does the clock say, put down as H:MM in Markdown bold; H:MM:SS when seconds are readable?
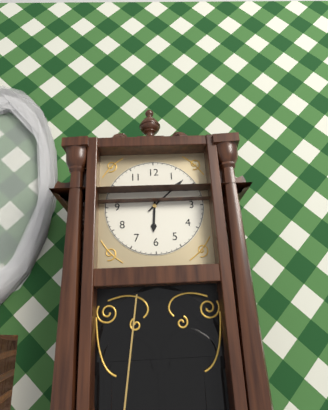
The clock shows **6:08**
